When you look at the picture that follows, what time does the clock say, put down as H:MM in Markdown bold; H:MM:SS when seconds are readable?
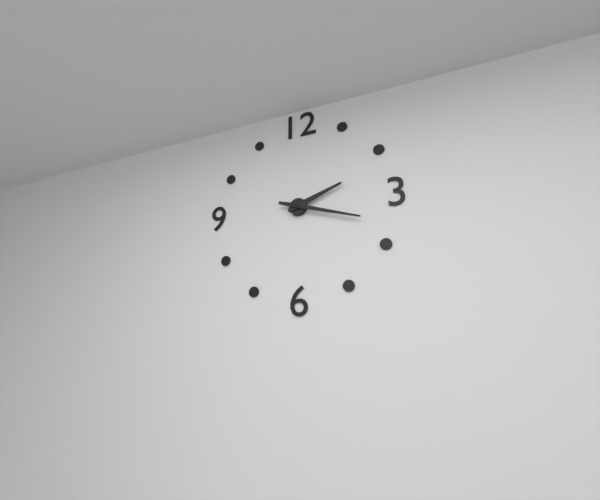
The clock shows **2:18**
